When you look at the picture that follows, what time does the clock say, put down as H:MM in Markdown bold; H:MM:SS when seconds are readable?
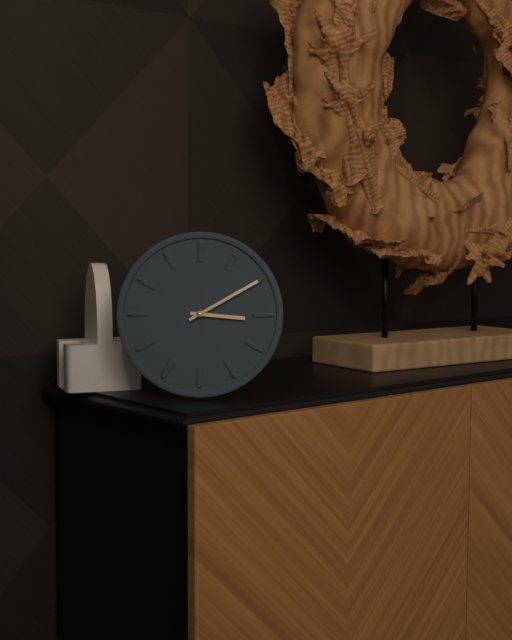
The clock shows **3:10**
